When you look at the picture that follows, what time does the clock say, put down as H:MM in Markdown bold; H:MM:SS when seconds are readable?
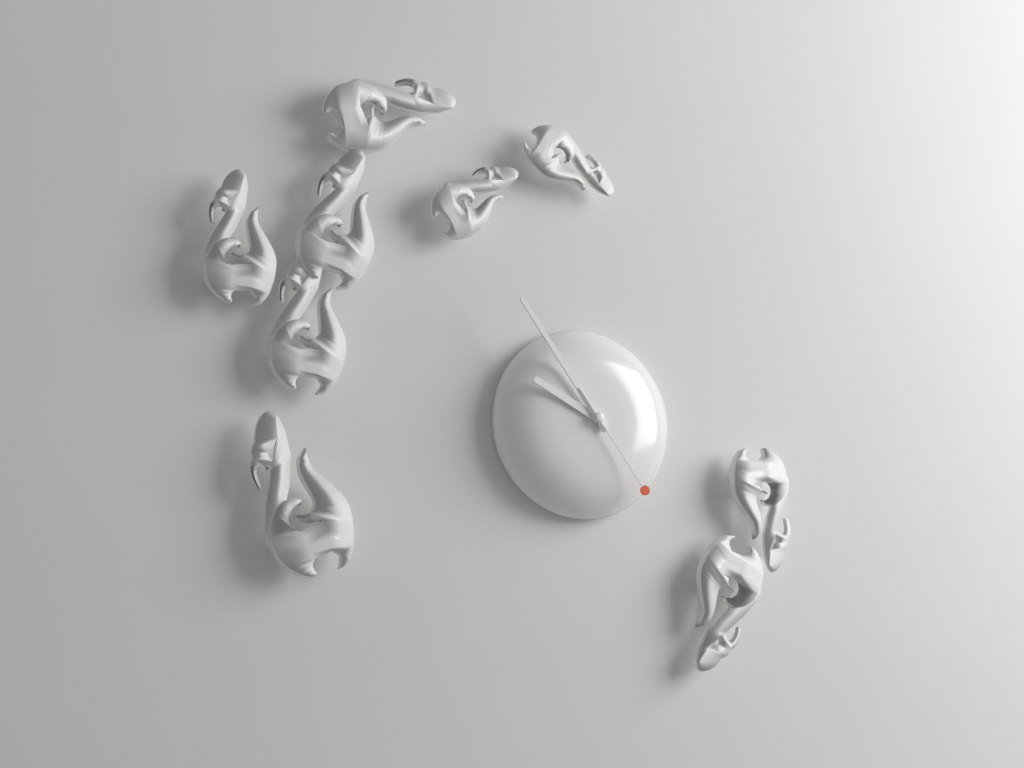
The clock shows **9:54:24**
